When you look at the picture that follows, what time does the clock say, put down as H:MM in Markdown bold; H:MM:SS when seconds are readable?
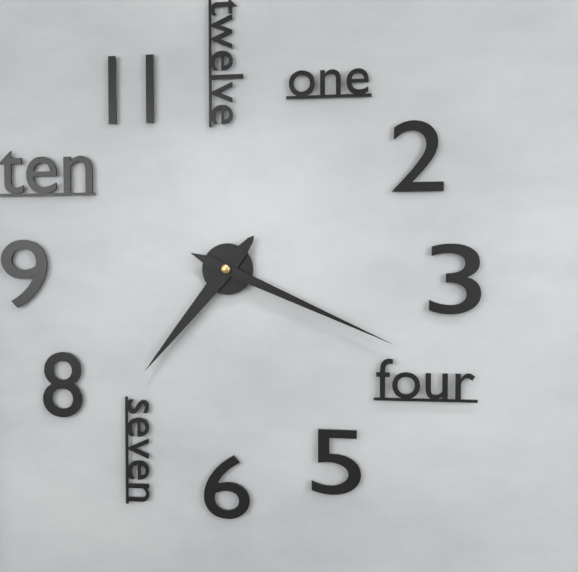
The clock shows **7:19**
